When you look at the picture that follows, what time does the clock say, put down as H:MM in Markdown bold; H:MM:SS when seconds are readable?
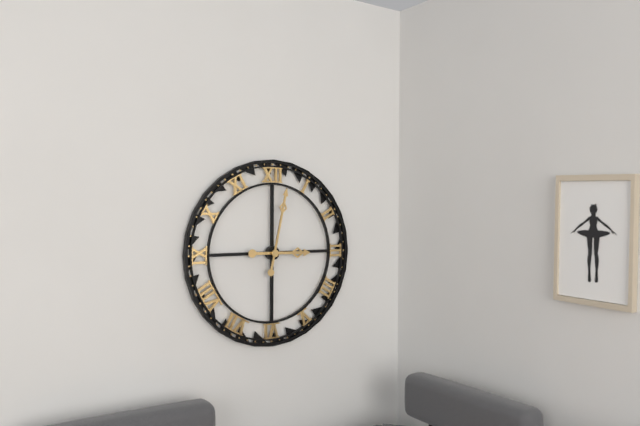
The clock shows **3:02**
